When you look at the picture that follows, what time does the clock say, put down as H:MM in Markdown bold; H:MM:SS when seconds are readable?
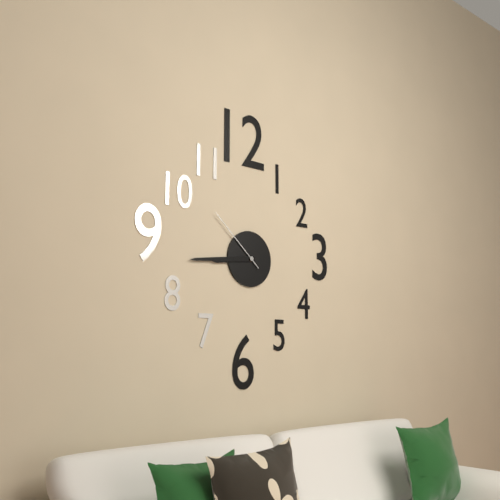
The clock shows **8:44:52**
